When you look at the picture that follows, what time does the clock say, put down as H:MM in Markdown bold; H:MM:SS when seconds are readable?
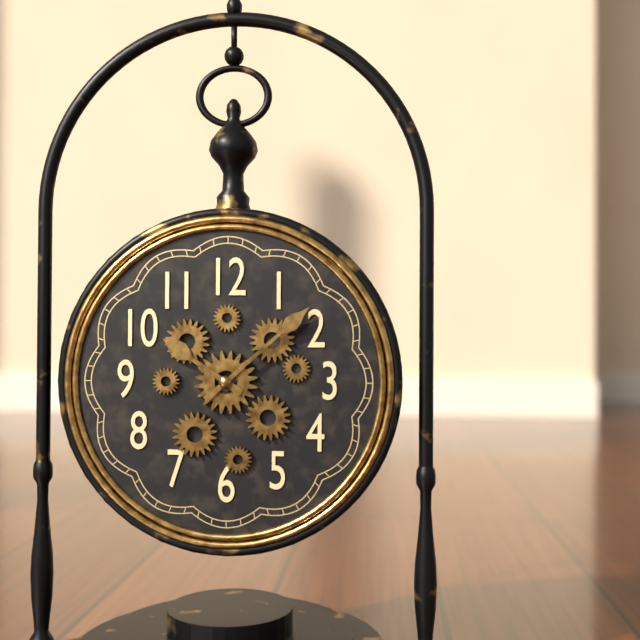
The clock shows **10:08**
